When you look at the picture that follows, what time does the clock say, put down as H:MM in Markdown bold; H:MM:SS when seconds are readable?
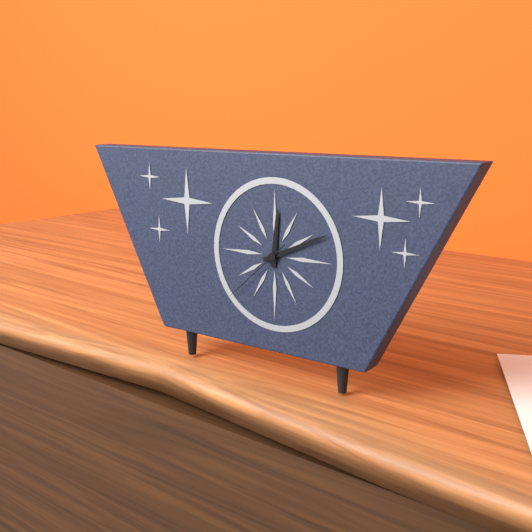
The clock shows **12:11:38**
